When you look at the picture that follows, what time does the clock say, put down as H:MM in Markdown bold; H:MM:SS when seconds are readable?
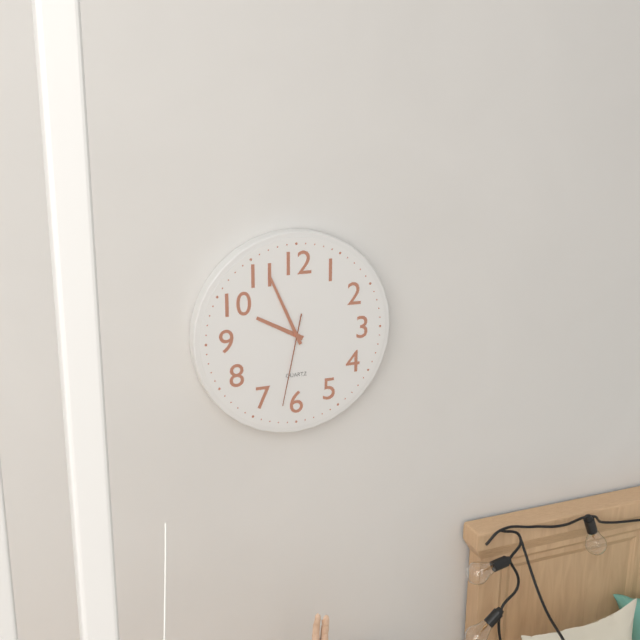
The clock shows **9:56:32**
